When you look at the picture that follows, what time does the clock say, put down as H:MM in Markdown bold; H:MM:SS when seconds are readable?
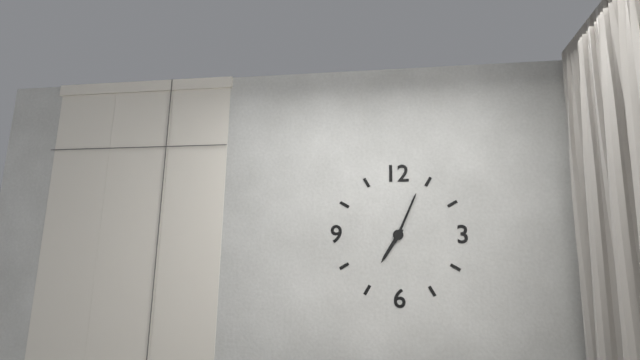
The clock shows **7:04**
